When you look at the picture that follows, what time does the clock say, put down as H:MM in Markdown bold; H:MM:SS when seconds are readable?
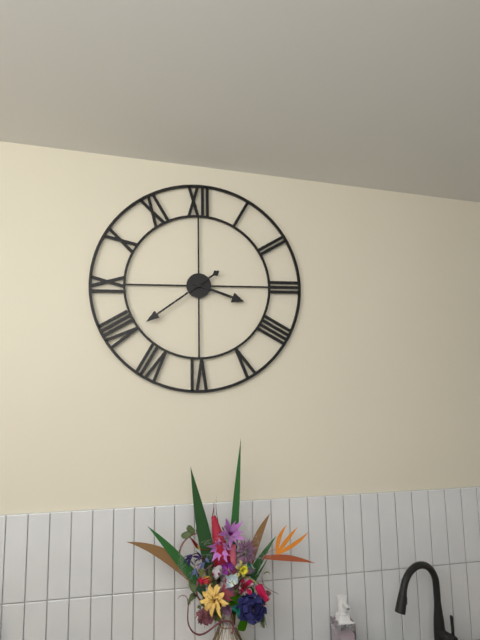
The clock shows **3:39**
